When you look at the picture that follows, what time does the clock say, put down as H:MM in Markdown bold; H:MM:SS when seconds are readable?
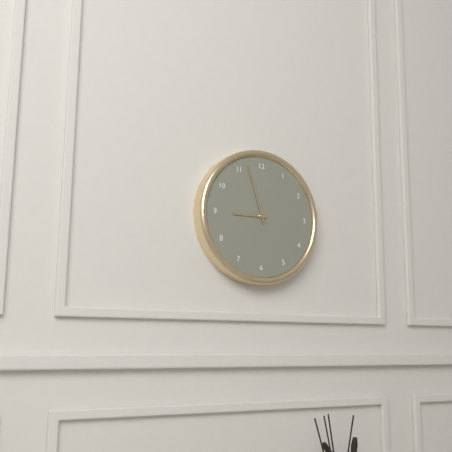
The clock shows **8:57**
